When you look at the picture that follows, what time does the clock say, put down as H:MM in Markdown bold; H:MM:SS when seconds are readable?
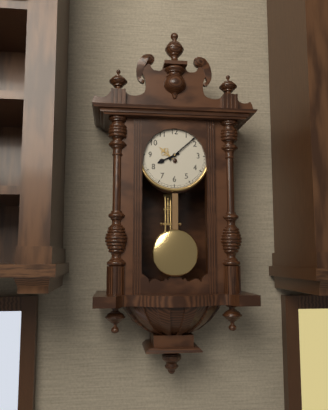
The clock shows **8:08**
